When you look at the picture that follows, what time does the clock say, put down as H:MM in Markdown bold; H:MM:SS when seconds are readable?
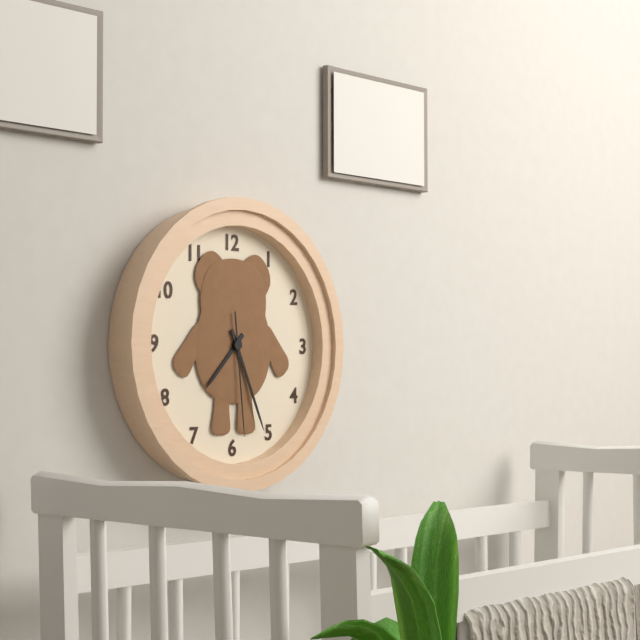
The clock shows **7:26:29**
